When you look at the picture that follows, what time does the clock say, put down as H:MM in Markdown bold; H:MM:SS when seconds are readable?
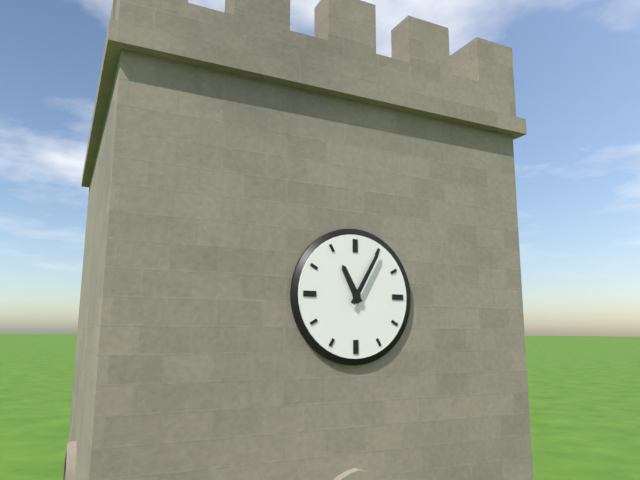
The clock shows **11:05**
